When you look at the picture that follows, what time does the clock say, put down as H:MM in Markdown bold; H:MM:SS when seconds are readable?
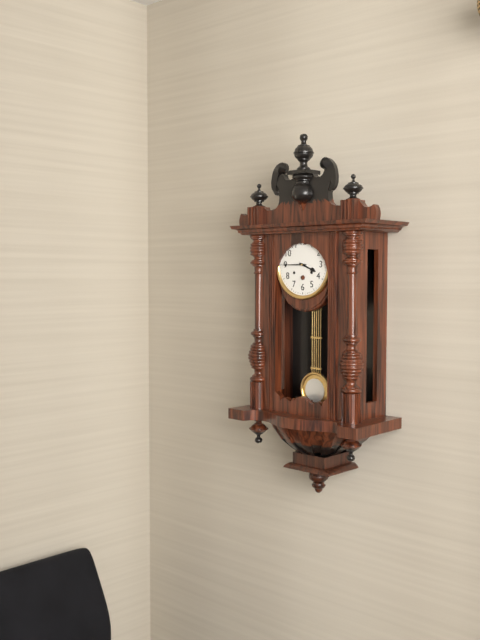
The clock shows **3:45**
